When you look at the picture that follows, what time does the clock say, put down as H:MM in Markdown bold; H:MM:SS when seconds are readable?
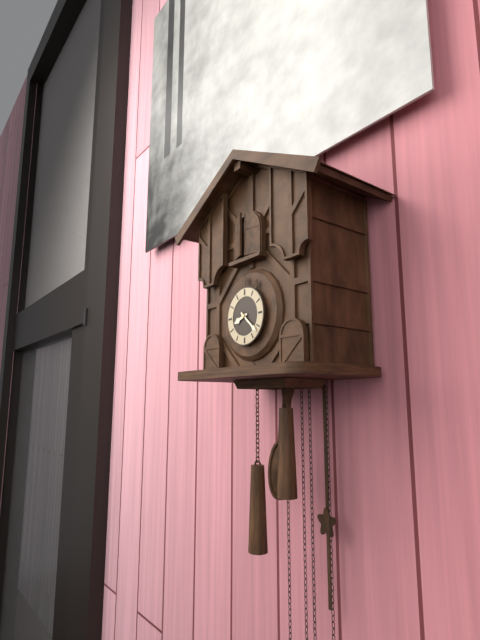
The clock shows **8:22**
